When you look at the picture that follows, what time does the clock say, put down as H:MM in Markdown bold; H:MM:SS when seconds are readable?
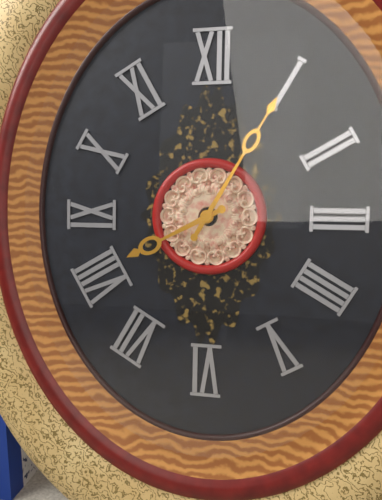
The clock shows **8:05**
